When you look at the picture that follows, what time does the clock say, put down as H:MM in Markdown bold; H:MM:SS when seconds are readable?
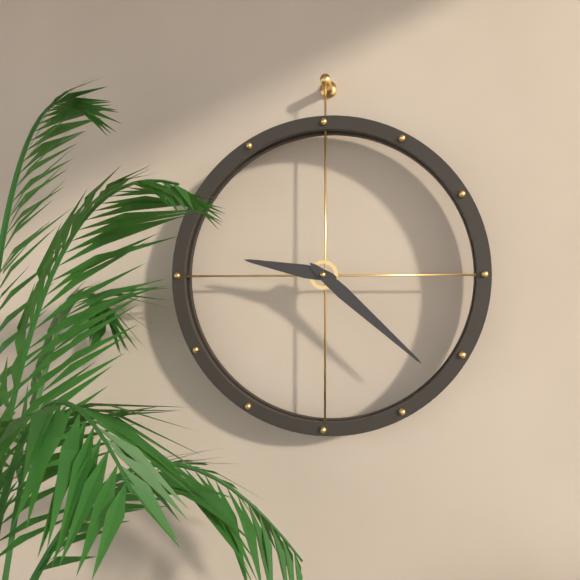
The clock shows **9:22**
